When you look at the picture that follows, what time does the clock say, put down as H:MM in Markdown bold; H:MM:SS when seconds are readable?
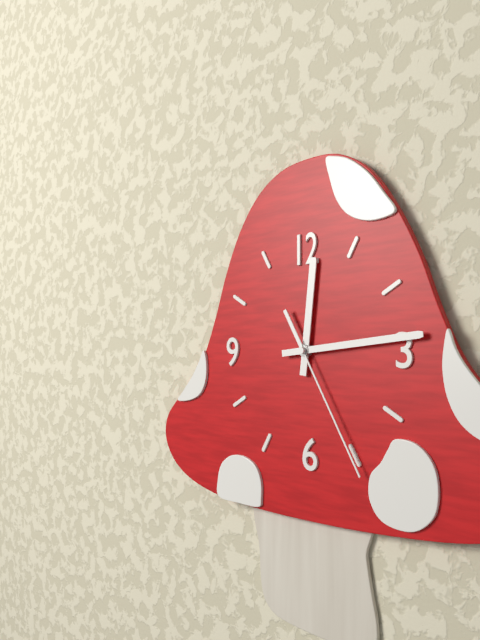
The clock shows **12:14:25**
